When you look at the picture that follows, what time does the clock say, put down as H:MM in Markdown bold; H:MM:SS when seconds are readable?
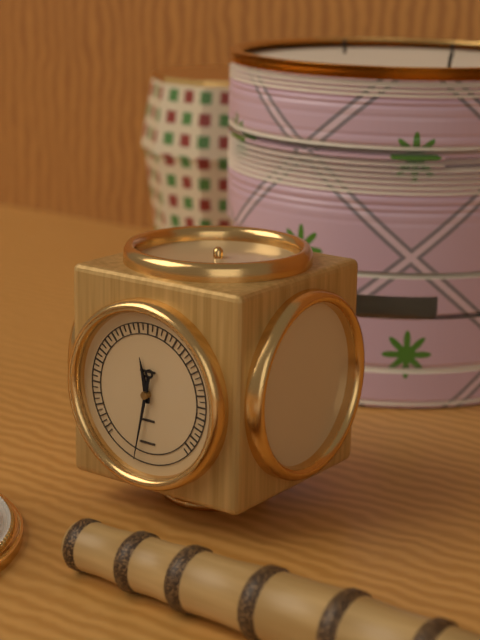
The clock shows **11:32**
